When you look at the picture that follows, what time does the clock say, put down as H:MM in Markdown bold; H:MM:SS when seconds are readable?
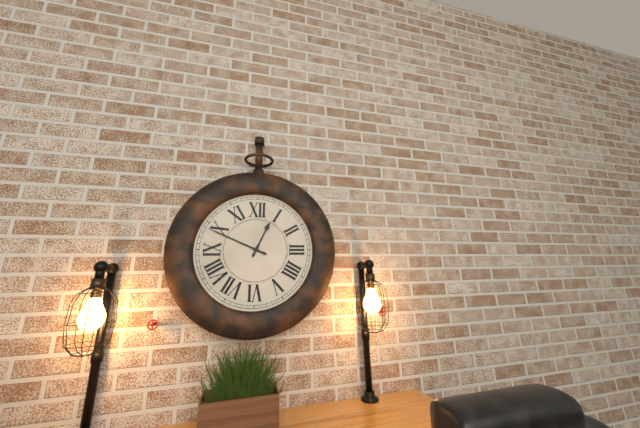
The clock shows **12:49**
